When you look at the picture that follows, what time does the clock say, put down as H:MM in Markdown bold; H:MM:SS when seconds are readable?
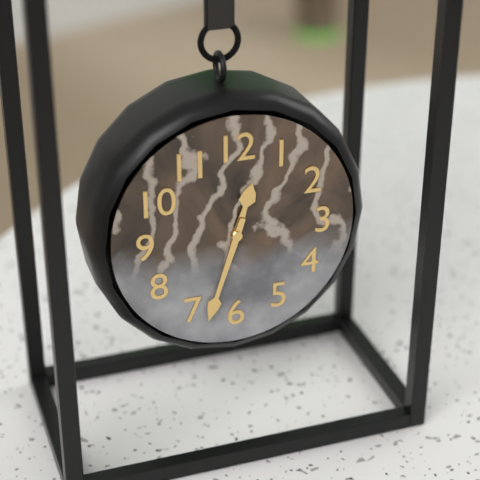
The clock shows **12:33**
